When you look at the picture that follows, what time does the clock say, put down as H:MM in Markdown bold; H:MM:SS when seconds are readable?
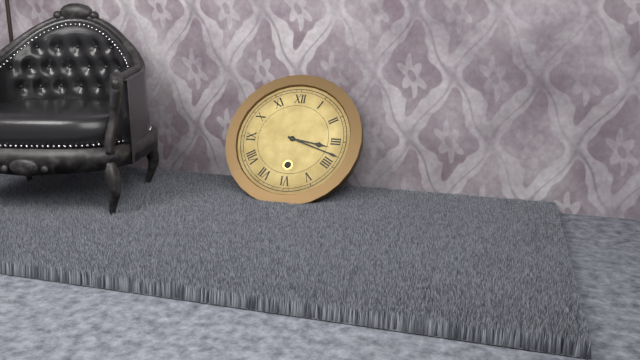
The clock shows **3:18**
